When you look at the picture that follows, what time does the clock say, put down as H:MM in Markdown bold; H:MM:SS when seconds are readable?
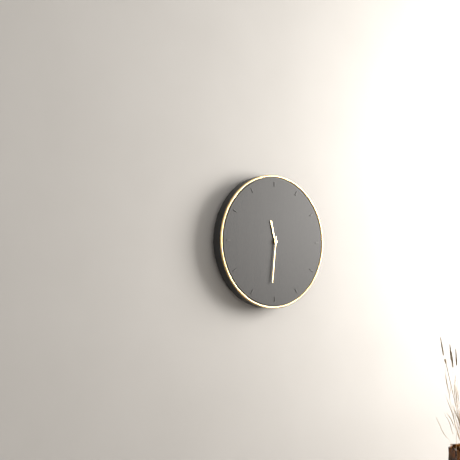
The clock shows **11:31**
